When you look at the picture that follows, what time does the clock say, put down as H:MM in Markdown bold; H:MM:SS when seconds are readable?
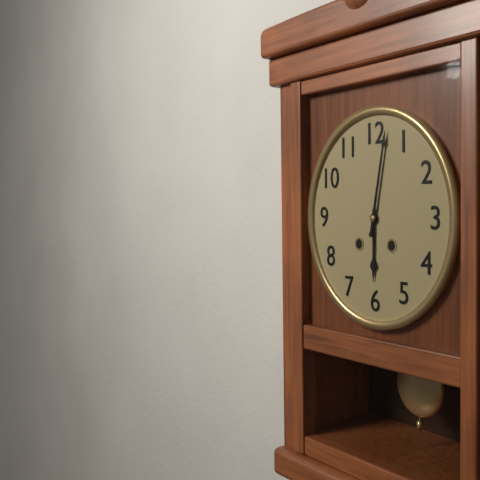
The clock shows **6:02**
